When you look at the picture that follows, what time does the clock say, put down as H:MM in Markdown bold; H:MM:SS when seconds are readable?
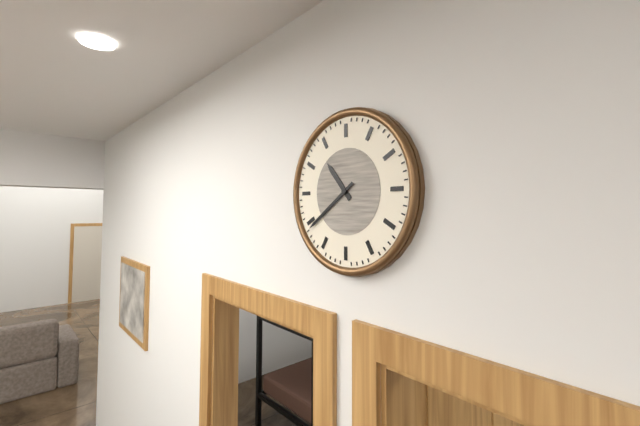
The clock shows **10:39**
